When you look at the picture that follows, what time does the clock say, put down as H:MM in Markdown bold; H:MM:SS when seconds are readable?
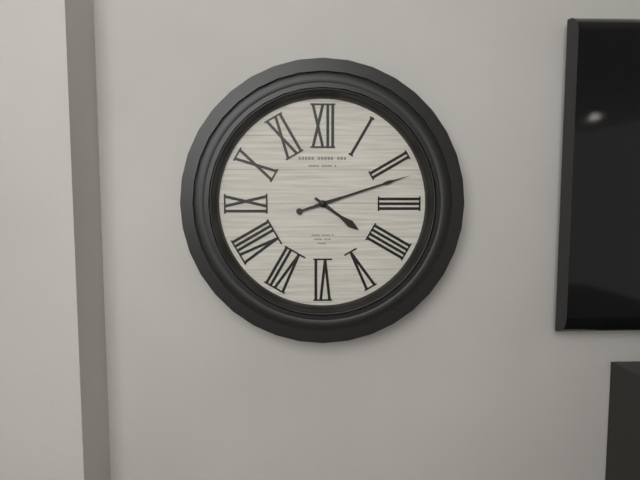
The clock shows **4:12**
